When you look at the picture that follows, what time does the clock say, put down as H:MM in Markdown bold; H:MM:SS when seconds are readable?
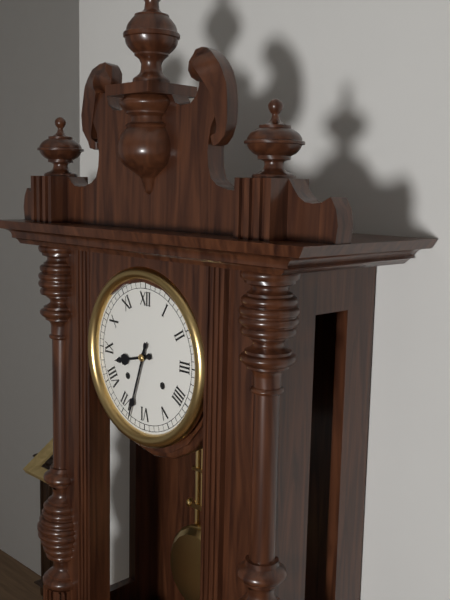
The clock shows **8:33**
